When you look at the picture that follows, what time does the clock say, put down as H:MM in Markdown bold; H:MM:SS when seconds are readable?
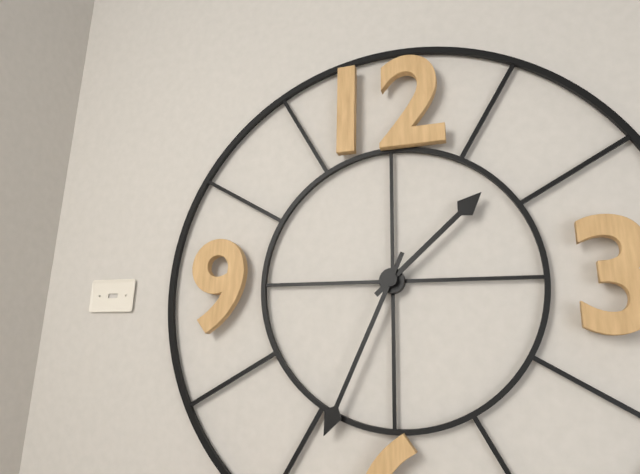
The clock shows **1:34**
